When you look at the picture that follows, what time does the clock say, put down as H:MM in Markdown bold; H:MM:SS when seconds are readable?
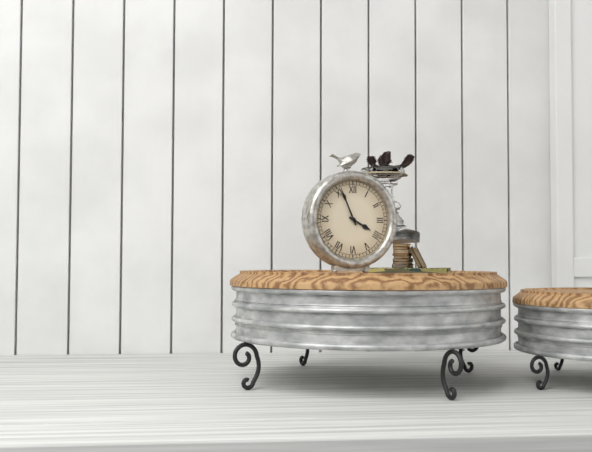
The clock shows **3:56**
